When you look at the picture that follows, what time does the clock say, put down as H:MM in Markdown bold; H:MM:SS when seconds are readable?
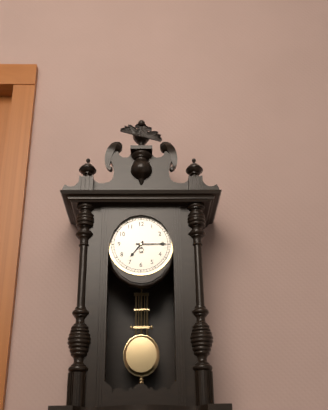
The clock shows **7:15**
